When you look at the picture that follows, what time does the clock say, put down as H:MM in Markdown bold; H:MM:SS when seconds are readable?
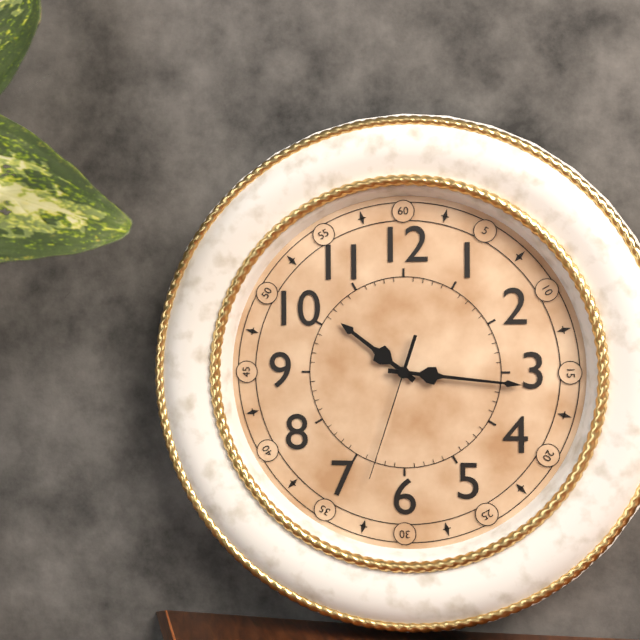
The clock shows **10:16:33**
